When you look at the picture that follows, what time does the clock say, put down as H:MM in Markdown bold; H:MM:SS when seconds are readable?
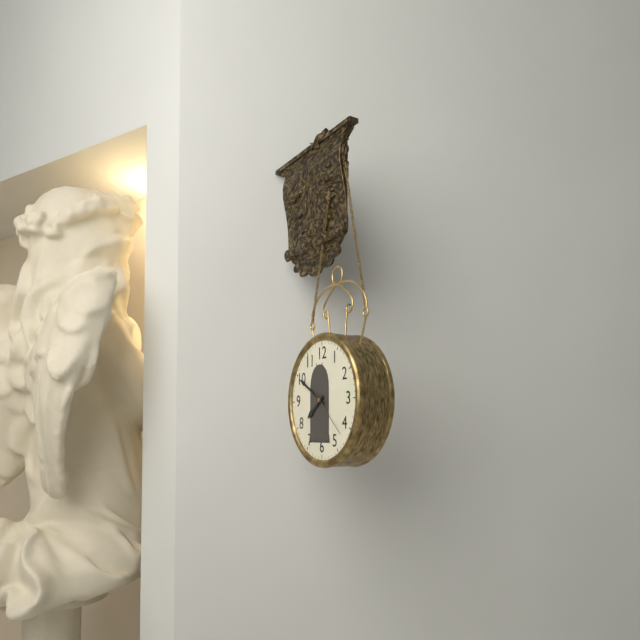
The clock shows **7:50**
